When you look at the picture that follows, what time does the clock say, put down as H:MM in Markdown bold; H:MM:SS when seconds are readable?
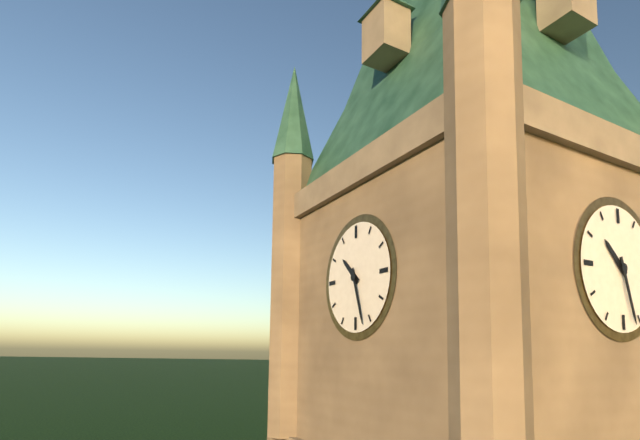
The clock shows **10:27**
